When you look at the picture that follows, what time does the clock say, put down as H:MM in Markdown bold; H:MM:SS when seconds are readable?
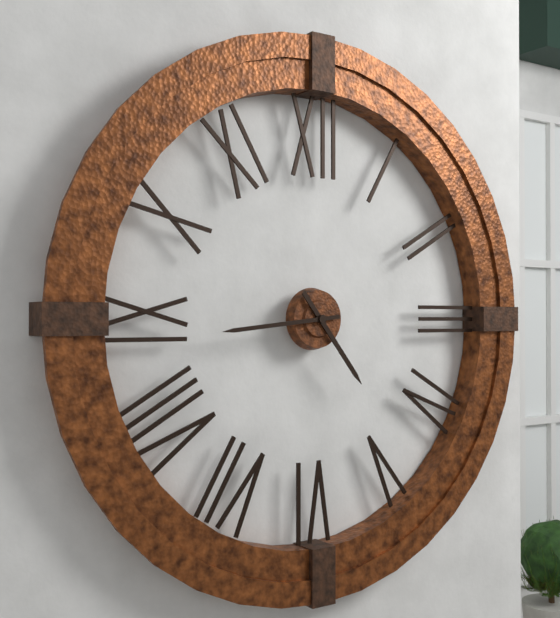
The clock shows **4:44**
